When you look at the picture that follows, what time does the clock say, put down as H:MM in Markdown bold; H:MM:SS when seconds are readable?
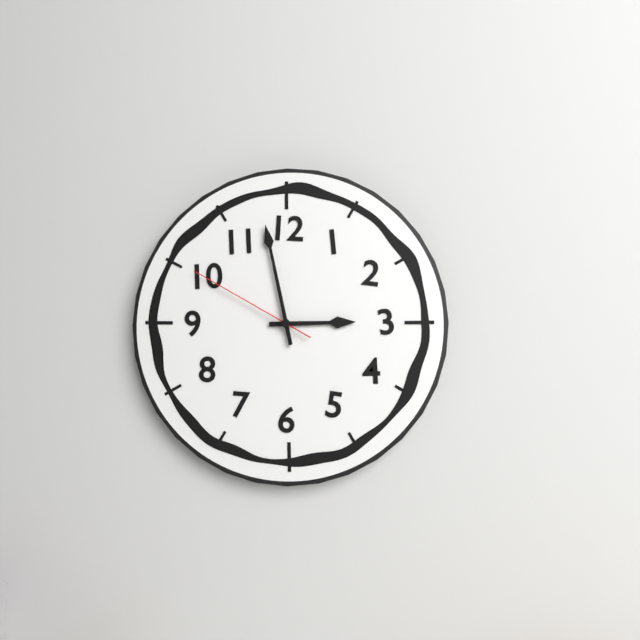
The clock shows **2:58:50**
